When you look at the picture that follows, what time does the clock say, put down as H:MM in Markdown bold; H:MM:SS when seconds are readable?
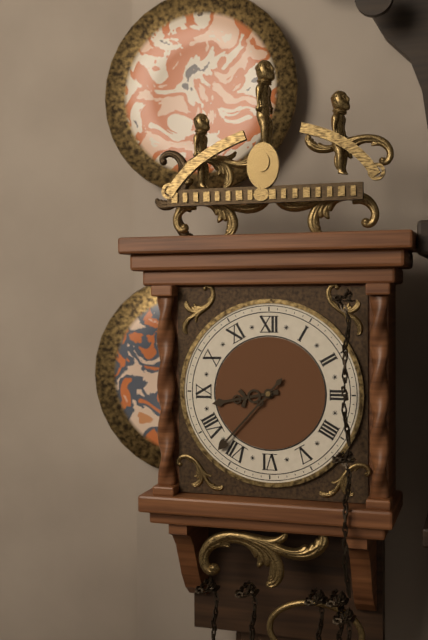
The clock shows **8:37**
